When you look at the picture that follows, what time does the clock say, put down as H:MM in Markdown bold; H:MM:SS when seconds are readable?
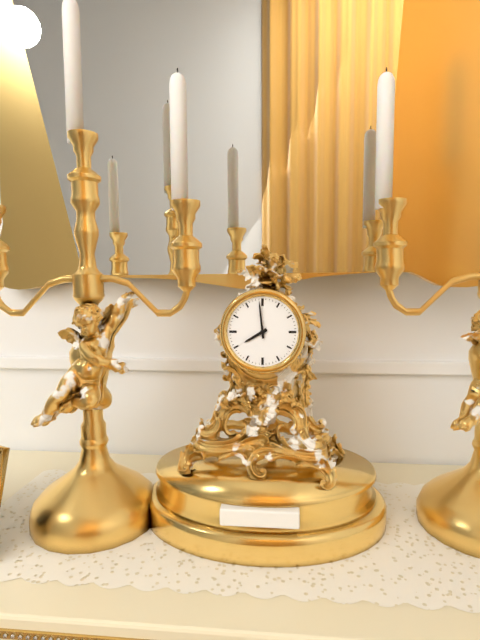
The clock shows **7:59**
